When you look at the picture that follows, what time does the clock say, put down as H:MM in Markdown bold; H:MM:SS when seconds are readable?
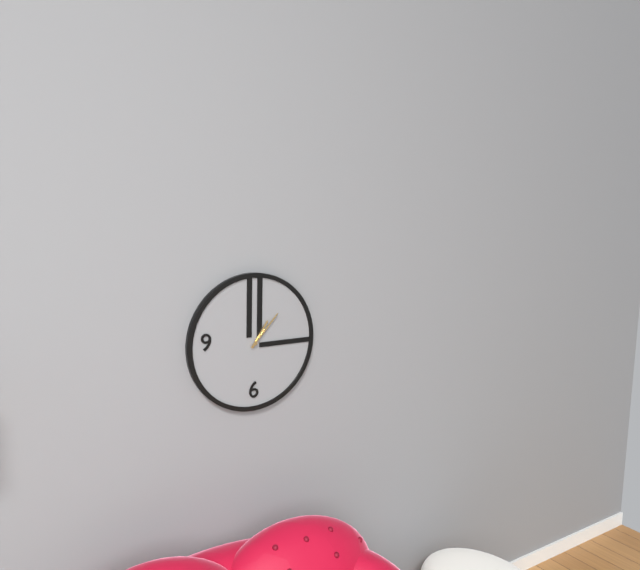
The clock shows **1:07**
